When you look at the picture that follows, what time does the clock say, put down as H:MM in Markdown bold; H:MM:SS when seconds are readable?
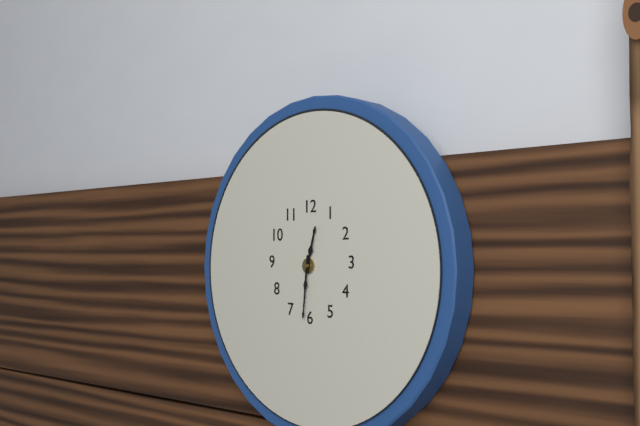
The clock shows **12:31**
